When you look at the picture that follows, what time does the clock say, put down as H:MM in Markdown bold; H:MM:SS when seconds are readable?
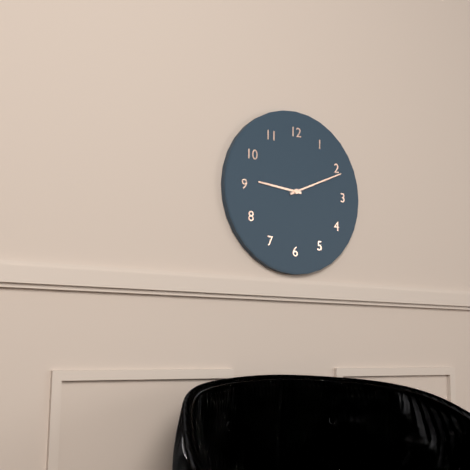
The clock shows **9:11**
